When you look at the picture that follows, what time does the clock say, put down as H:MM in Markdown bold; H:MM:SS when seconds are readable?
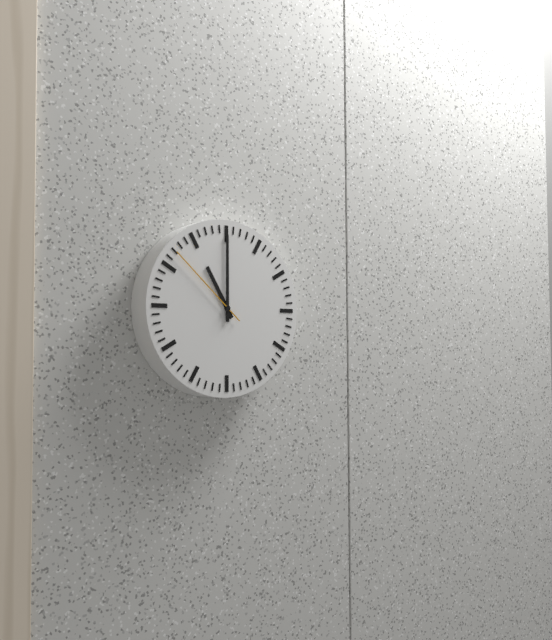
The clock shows **11:00:52**
